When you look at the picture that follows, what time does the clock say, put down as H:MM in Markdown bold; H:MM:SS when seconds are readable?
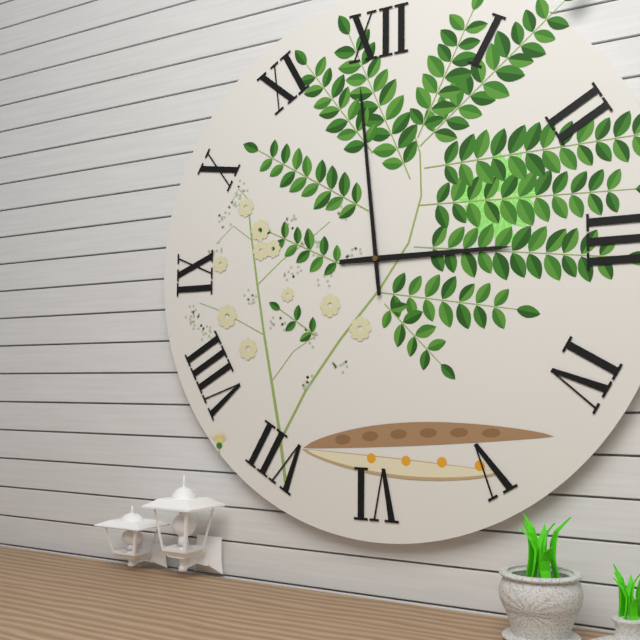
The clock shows **2:59**
